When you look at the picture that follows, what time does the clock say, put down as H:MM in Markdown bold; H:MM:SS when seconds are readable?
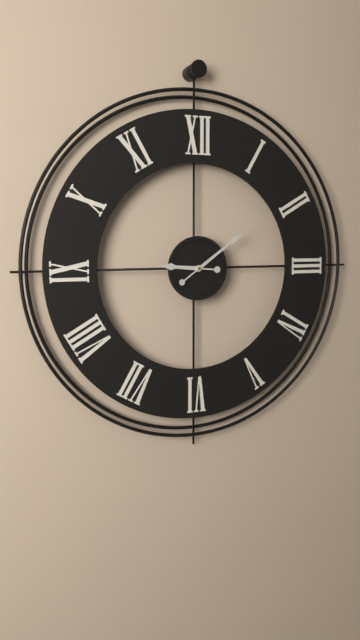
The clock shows **9:09**
